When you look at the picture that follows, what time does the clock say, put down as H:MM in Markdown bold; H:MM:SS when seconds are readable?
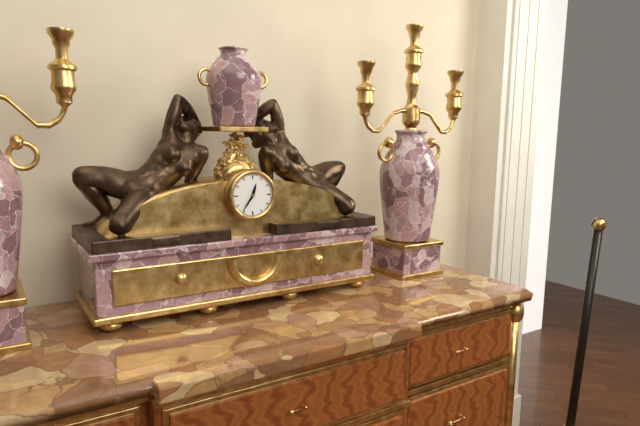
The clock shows **12:36**
